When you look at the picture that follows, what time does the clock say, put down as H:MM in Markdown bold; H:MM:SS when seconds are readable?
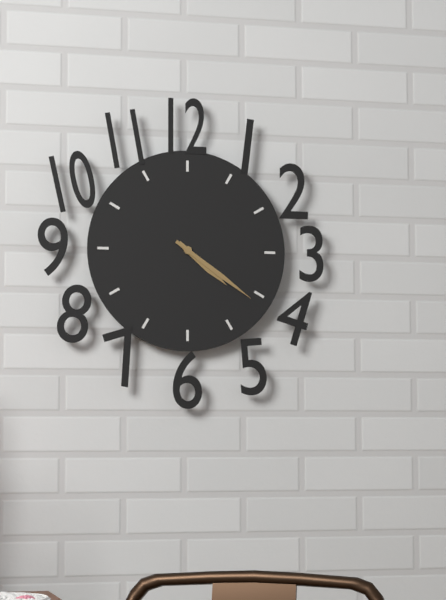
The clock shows **4:21**
